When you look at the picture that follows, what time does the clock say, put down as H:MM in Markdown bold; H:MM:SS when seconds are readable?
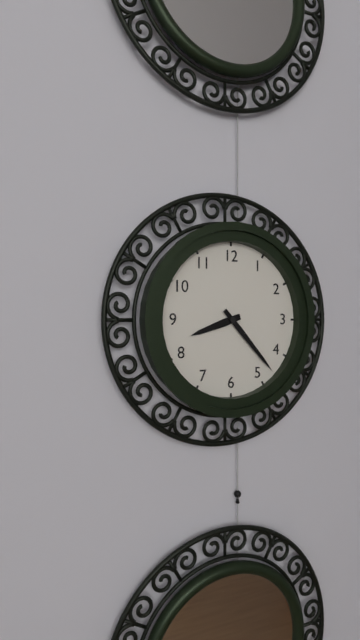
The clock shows **8:23**
